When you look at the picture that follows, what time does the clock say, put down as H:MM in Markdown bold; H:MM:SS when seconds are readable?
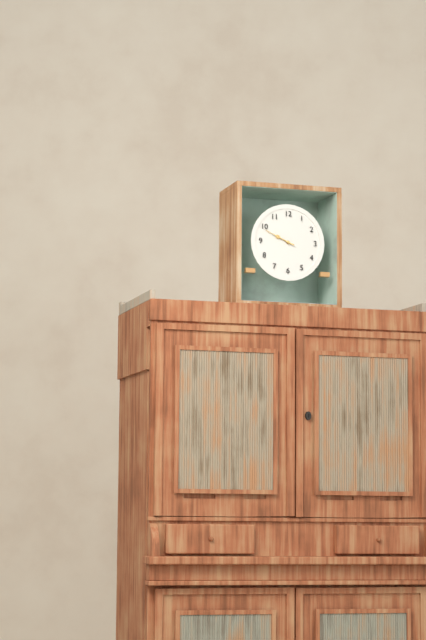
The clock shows **9:49**
